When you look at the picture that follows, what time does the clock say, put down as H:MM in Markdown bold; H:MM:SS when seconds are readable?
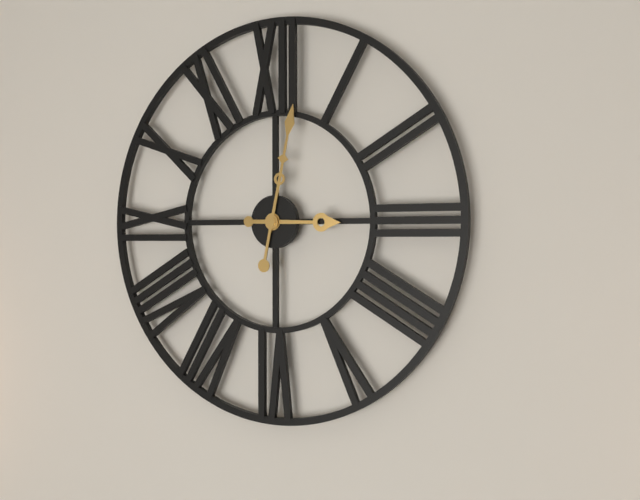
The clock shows **3:02**
